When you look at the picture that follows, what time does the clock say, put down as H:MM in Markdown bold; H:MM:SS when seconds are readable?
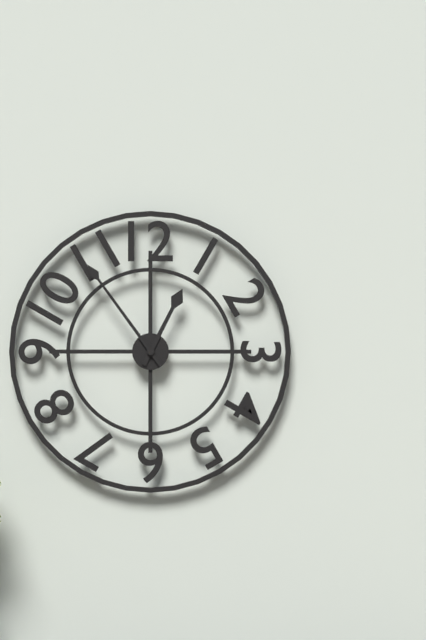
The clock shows **12:54**
